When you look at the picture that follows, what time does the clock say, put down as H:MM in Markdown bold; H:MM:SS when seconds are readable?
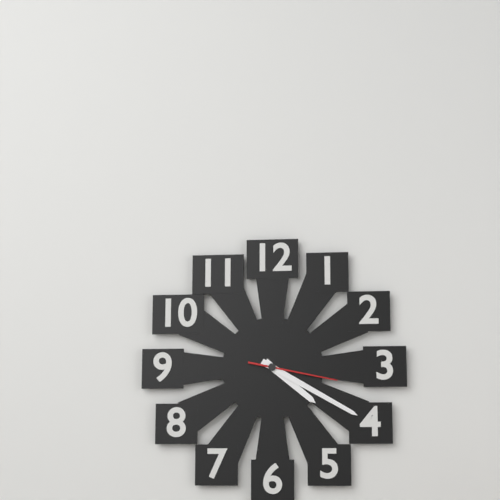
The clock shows **4:20:17**
